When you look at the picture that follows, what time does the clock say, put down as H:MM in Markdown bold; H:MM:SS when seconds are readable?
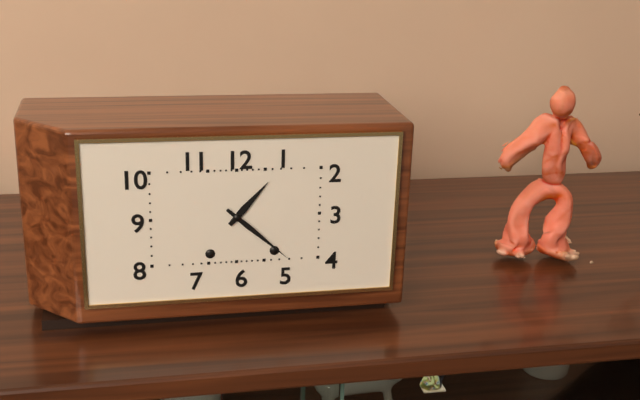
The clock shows **1:22**
